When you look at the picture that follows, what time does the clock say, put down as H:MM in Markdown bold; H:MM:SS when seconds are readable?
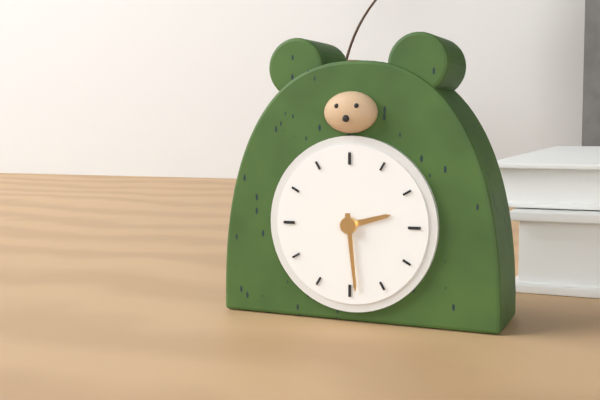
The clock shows **2:29**
